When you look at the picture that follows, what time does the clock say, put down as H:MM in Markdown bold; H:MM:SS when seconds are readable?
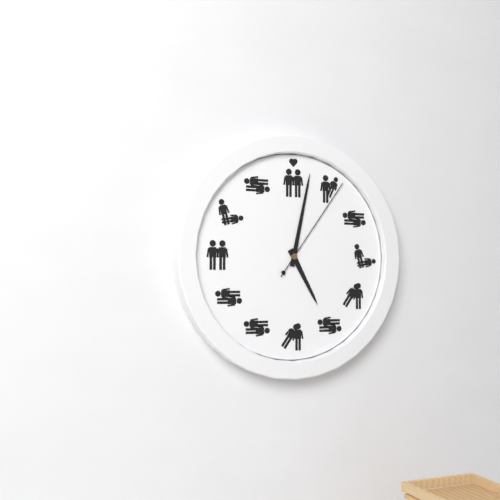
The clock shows **5:02:06**
